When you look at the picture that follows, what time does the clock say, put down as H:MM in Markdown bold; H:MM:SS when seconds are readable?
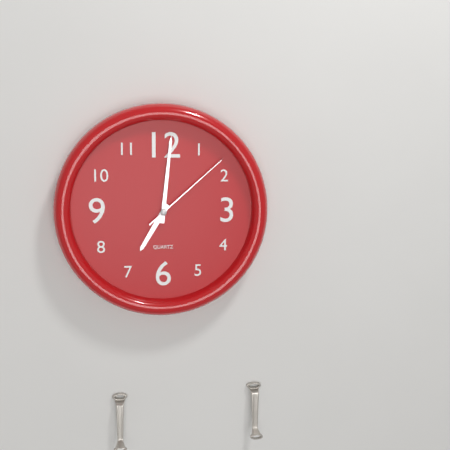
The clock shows **7:01:08**
